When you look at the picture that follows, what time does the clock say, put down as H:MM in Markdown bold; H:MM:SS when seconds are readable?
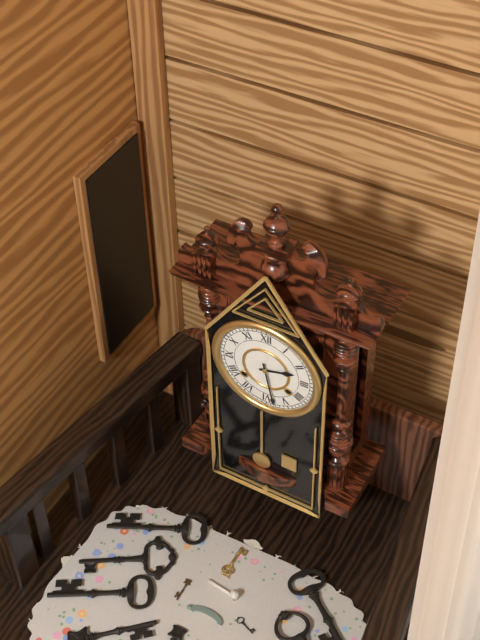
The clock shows **2:28**
